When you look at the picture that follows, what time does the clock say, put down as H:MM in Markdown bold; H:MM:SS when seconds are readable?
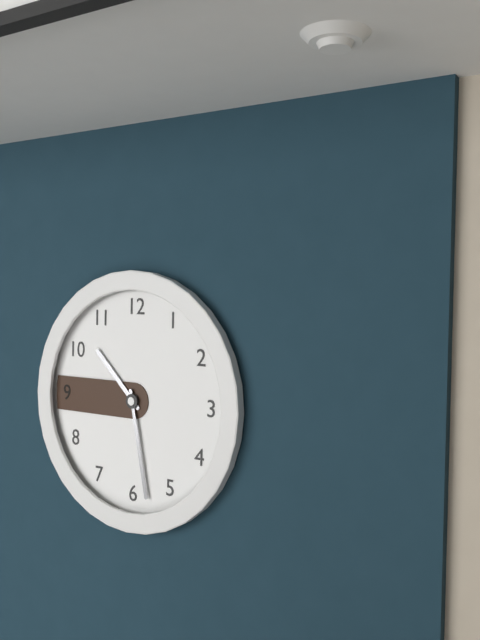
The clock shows **10:28**
